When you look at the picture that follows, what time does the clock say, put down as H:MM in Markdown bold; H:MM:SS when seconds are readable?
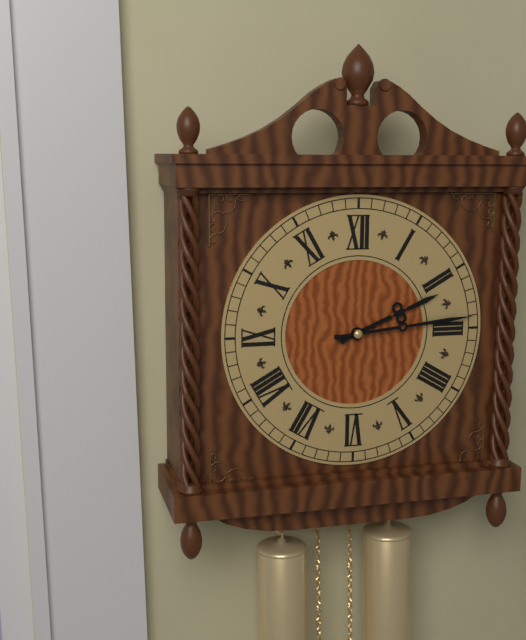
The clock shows **2:14**
